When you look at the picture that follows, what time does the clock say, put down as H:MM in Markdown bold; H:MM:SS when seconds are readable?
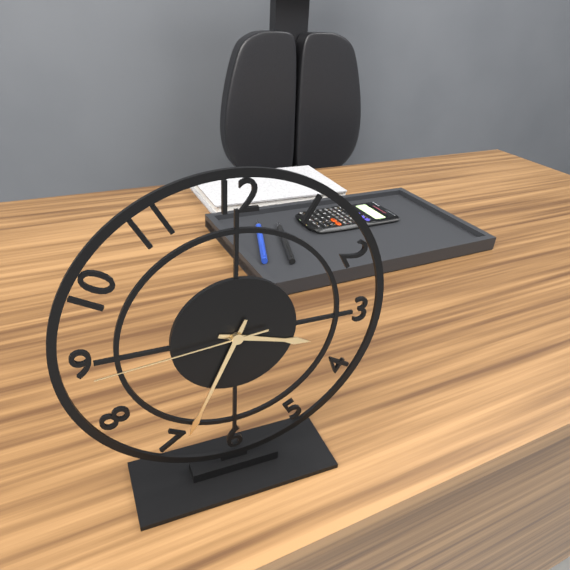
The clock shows **3:34:44**
